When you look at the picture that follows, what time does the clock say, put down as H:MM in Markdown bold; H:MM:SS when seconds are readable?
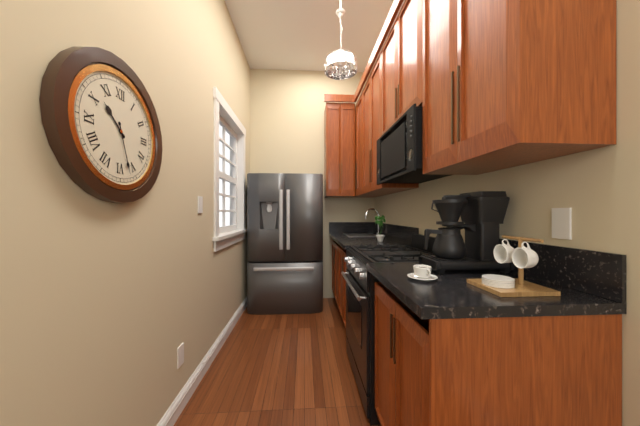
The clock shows **10:27**
